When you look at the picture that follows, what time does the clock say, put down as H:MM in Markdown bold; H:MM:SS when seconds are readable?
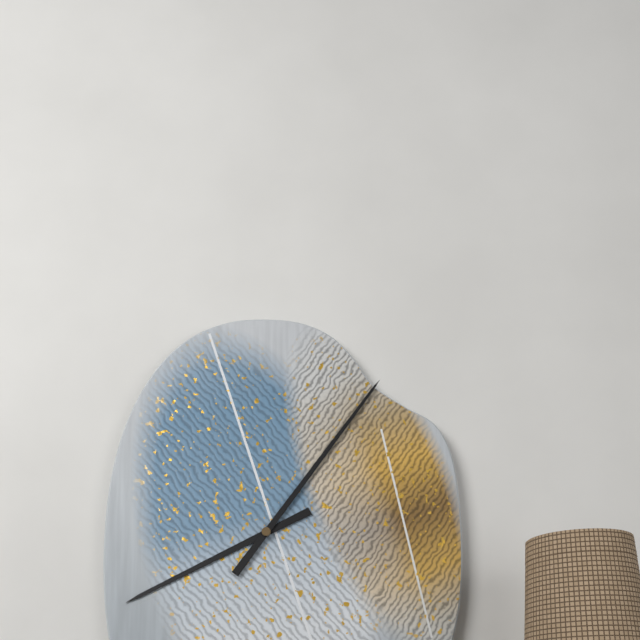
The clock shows **8:06**
